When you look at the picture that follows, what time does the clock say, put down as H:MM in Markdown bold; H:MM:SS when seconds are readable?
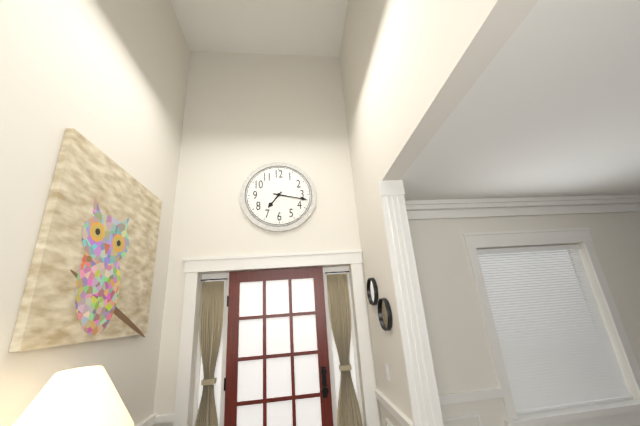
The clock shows **7:17**
